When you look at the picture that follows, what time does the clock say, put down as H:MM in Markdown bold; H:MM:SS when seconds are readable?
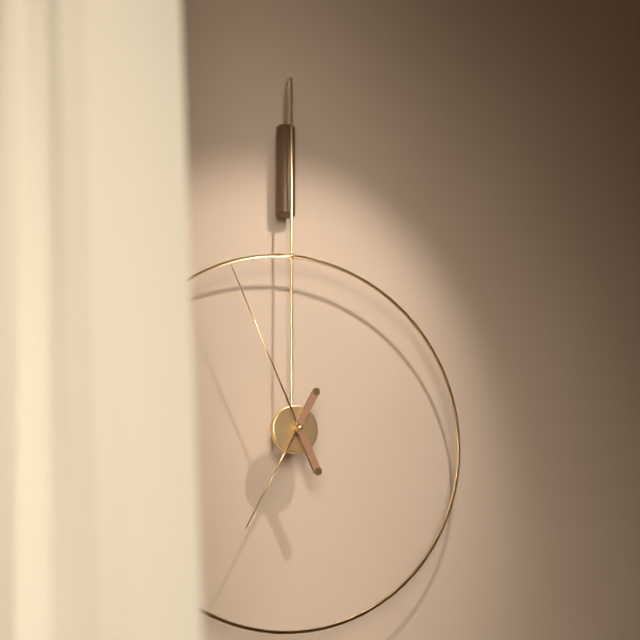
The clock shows **6:56**
